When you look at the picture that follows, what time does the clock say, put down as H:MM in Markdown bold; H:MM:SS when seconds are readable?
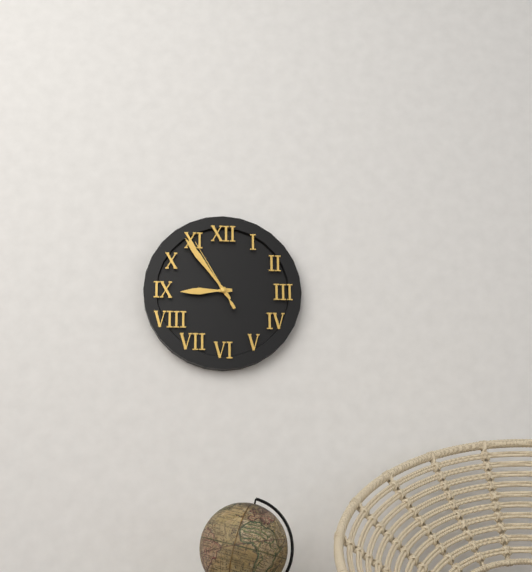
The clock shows **8:54:55**
